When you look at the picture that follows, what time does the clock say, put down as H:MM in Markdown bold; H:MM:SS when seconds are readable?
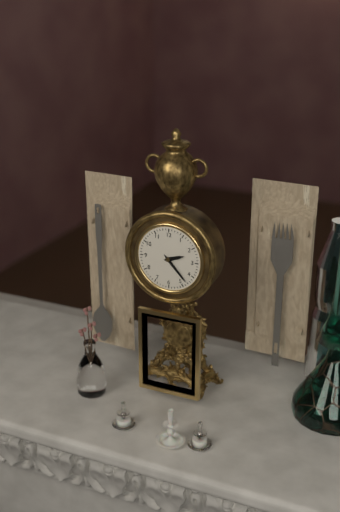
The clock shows **2:23**
